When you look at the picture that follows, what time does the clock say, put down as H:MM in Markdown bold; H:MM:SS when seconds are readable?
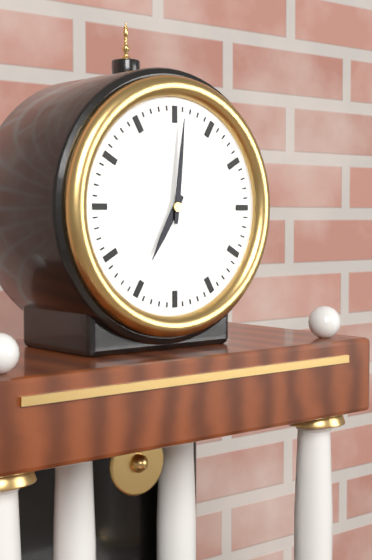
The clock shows **7:01**
